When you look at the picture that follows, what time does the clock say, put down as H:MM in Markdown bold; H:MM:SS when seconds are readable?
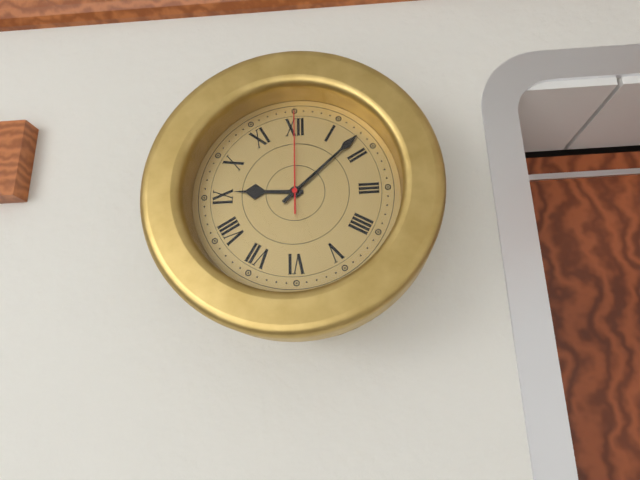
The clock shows **9:08:00**
